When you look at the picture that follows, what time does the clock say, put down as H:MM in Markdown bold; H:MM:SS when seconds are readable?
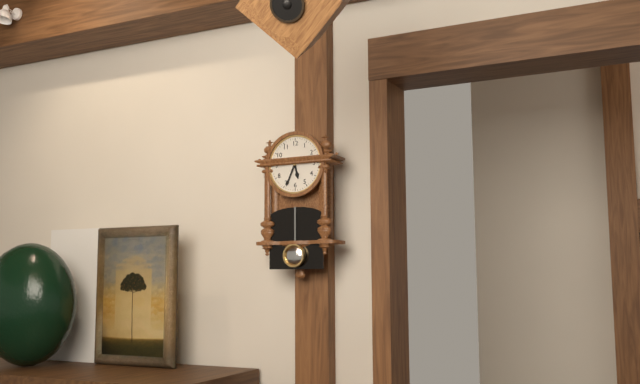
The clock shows **5:34**
